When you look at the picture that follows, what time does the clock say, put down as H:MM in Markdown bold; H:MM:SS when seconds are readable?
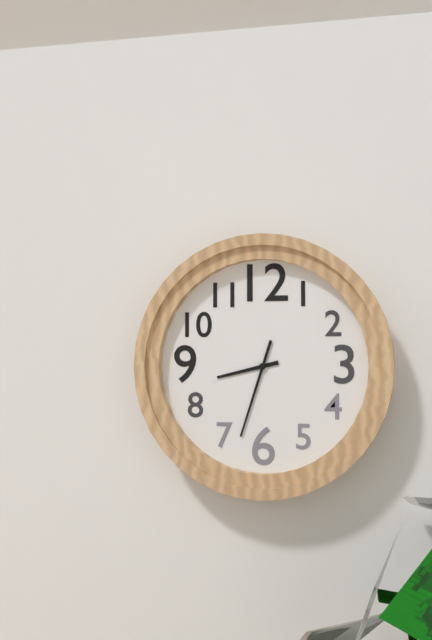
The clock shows **8:33**
